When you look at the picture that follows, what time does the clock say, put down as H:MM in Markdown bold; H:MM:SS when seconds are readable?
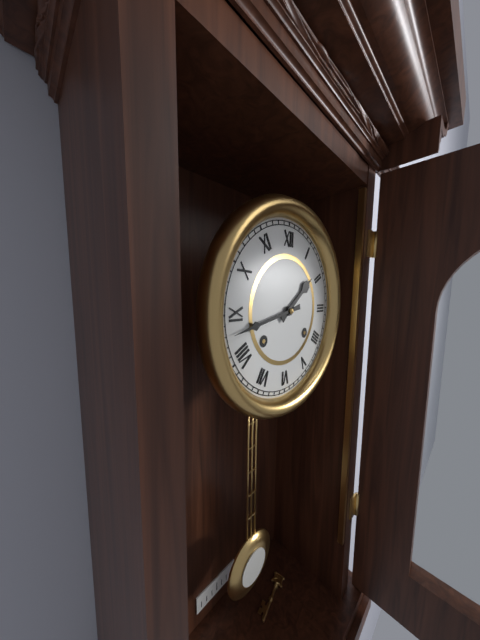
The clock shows **1:43**
